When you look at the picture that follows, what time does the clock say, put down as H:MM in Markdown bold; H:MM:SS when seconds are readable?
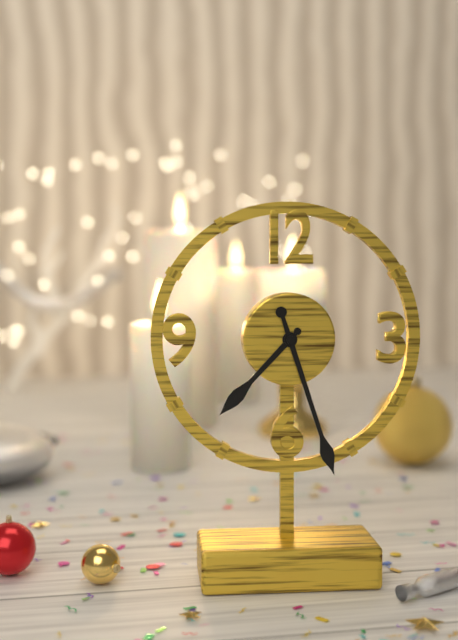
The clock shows **7:27**
